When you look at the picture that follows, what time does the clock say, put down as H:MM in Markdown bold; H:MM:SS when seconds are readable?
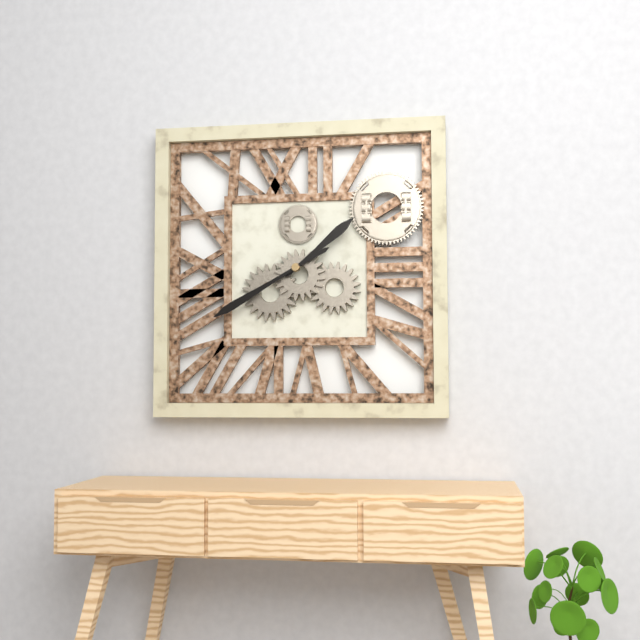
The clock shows **1:40**
